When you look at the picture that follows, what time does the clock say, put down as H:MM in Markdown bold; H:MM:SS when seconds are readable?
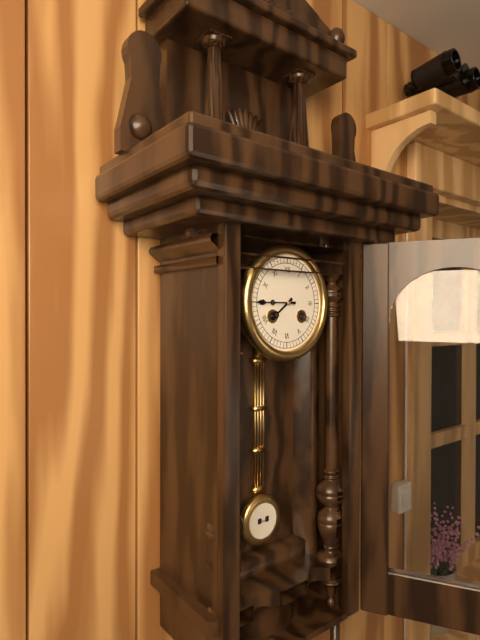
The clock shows **7:45**
